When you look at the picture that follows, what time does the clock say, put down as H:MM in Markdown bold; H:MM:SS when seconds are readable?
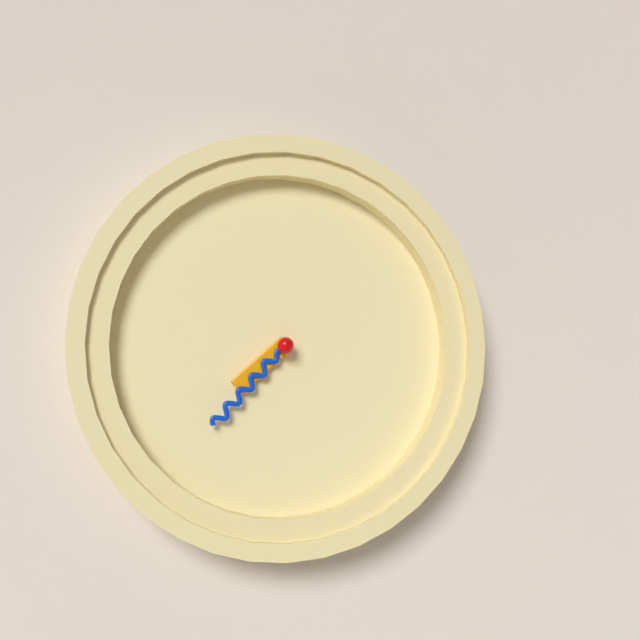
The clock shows **7:37**
